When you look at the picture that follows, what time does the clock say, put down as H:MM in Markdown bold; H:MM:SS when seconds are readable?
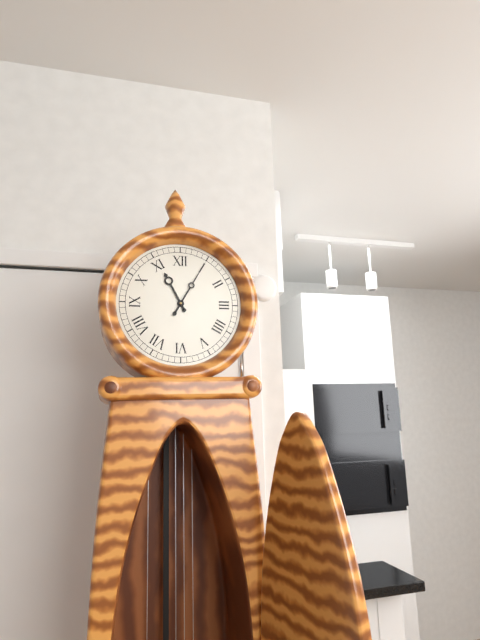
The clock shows **11:05**
